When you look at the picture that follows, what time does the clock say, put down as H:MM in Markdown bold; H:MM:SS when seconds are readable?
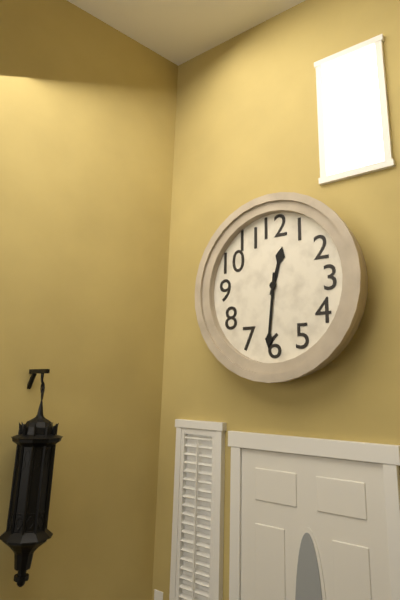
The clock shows **12:31**
